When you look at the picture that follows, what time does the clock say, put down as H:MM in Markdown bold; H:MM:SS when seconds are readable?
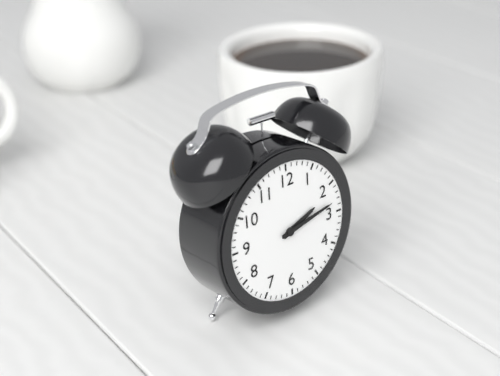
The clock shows **2:13**
